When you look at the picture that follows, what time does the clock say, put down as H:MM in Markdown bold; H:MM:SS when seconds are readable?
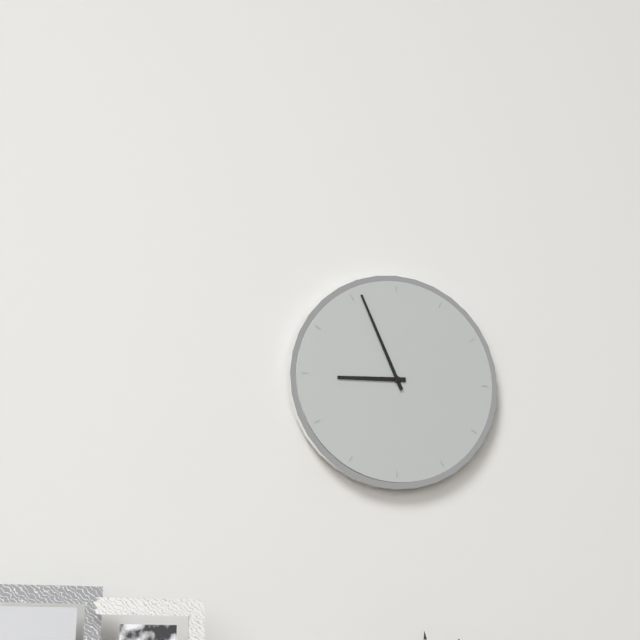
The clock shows **8:56**
